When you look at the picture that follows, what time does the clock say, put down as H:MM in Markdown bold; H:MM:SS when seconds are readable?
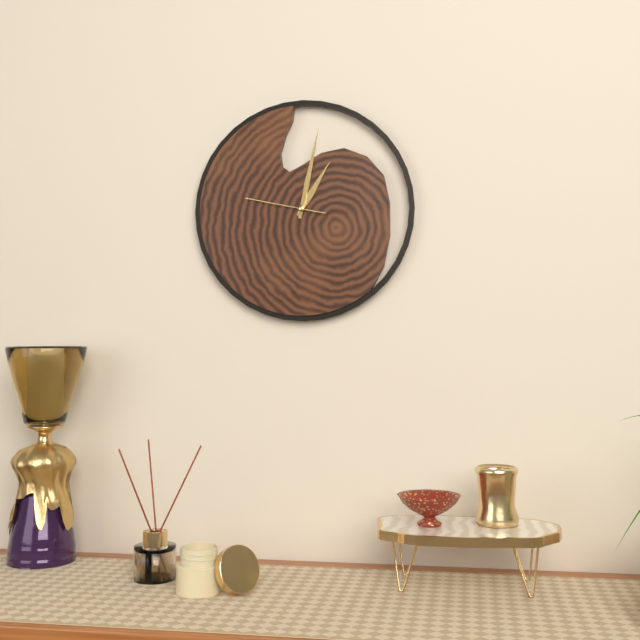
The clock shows **1:02:47**
